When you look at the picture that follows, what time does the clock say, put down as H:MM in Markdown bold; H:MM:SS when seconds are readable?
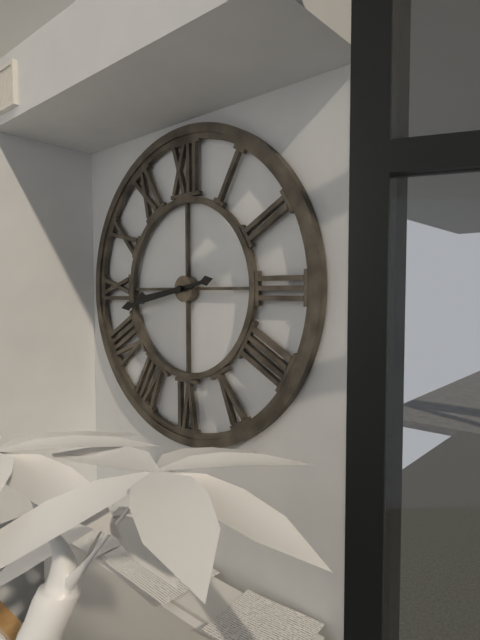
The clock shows **8:43**
